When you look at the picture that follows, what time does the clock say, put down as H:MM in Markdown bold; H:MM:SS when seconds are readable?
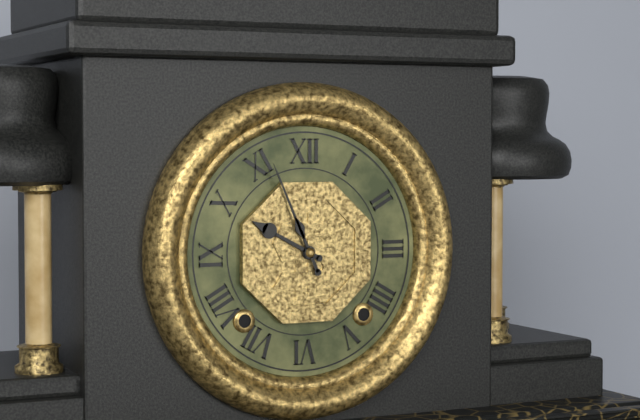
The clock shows **9:56**
